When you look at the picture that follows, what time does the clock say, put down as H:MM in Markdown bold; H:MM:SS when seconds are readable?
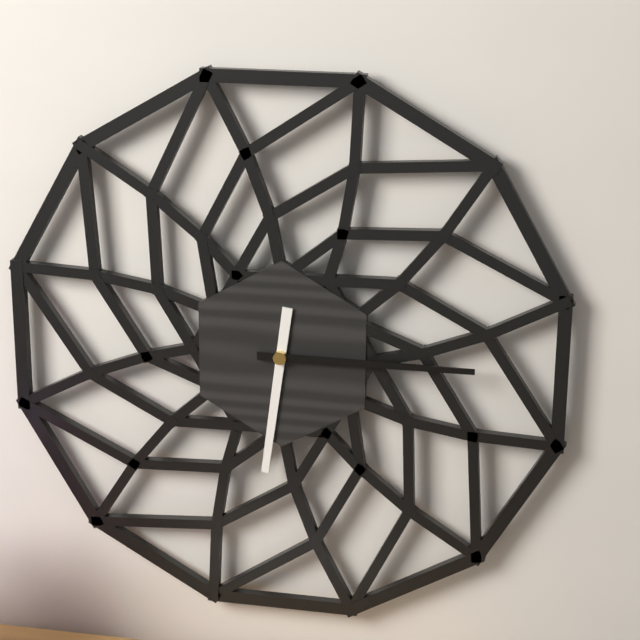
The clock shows **6:15**
